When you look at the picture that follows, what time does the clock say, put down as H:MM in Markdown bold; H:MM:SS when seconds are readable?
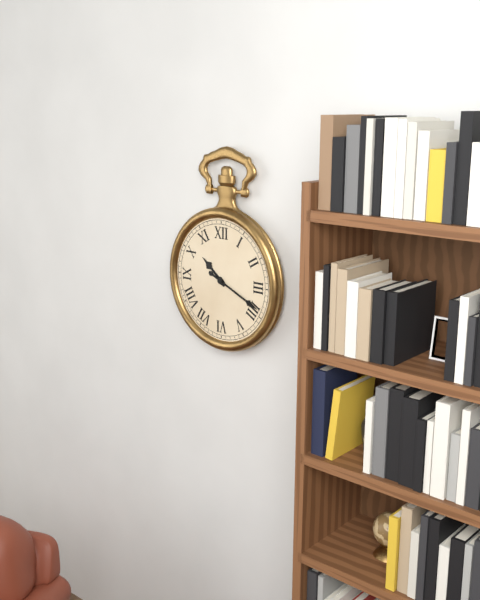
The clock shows **10:19**
